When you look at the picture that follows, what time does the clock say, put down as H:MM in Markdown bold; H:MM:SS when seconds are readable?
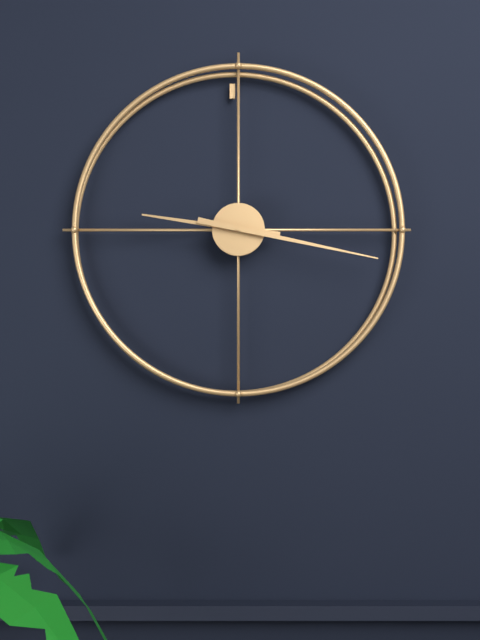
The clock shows **9:17**
